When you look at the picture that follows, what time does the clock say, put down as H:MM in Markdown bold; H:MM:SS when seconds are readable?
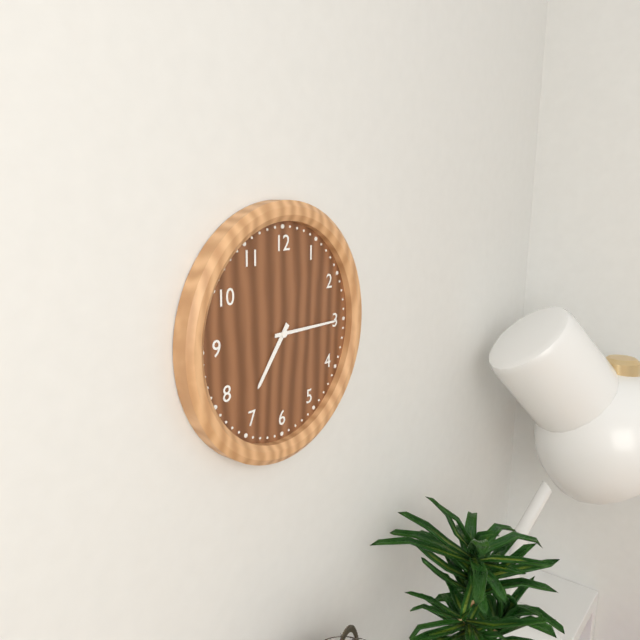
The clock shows **7:15**
